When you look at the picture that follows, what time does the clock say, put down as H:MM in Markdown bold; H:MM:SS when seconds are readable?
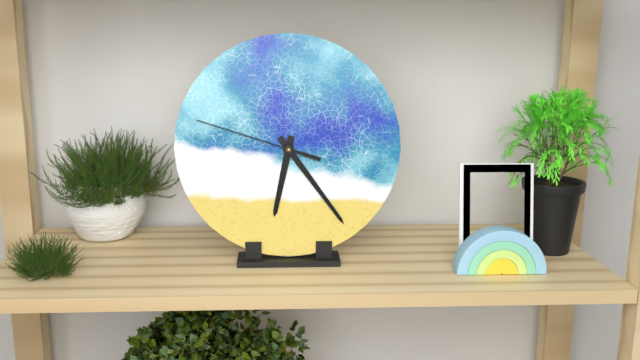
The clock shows **6:24:48**
